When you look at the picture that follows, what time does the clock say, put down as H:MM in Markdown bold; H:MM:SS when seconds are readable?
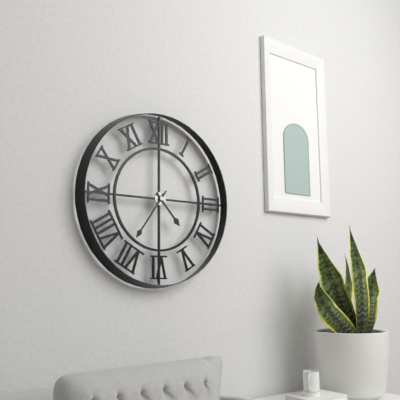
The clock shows **4:36**
